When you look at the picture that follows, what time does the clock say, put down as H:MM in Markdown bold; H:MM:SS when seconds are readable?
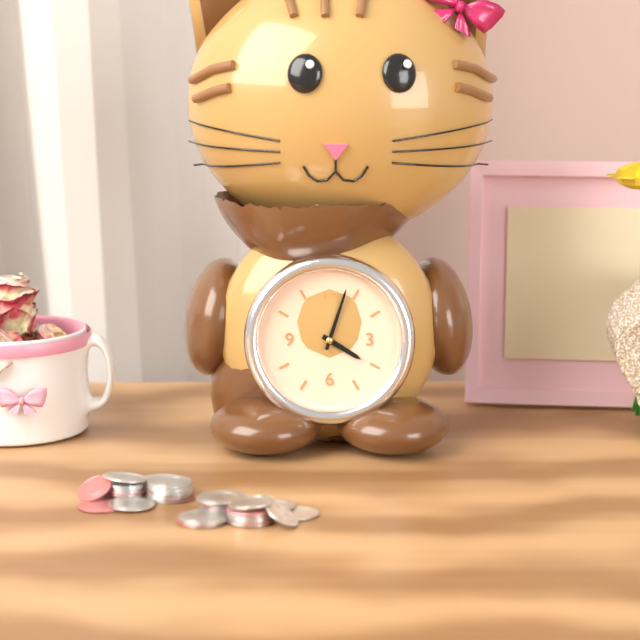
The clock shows **4:03**
